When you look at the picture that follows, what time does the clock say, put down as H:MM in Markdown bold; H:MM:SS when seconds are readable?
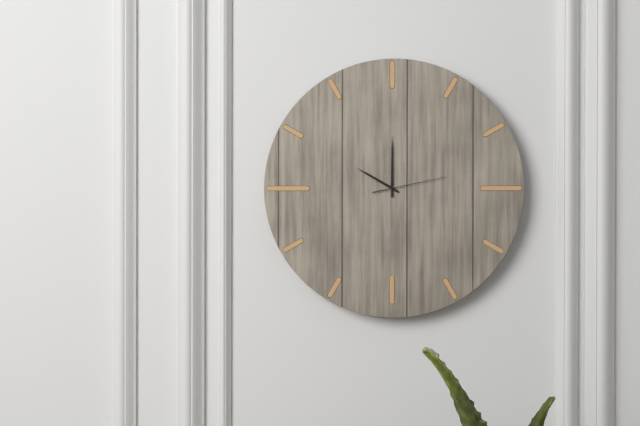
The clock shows **10:00:13**
